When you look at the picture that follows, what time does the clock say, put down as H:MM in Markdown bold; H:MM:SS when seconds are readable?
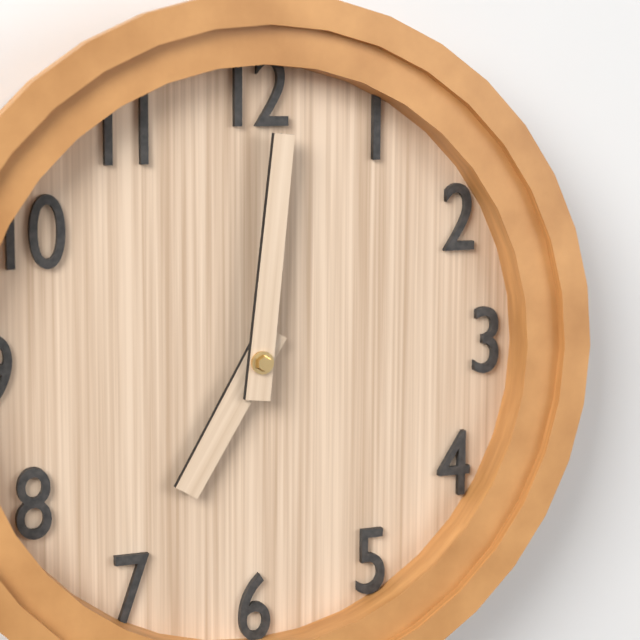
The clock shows **7:01**
